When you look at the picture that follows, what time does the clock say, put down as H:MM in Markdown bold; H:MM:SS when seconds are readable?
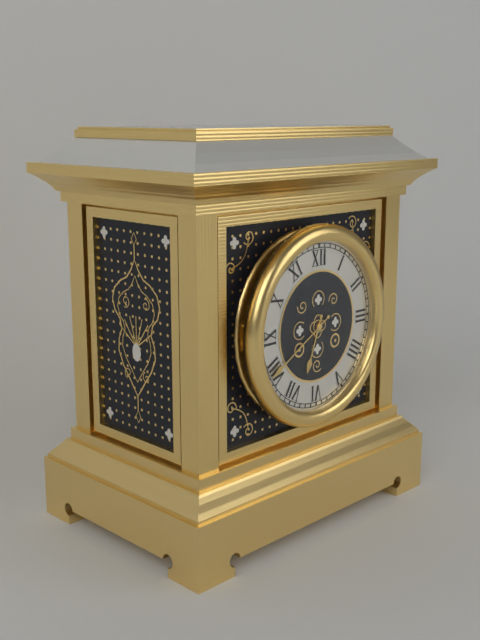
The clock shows **6:40**
